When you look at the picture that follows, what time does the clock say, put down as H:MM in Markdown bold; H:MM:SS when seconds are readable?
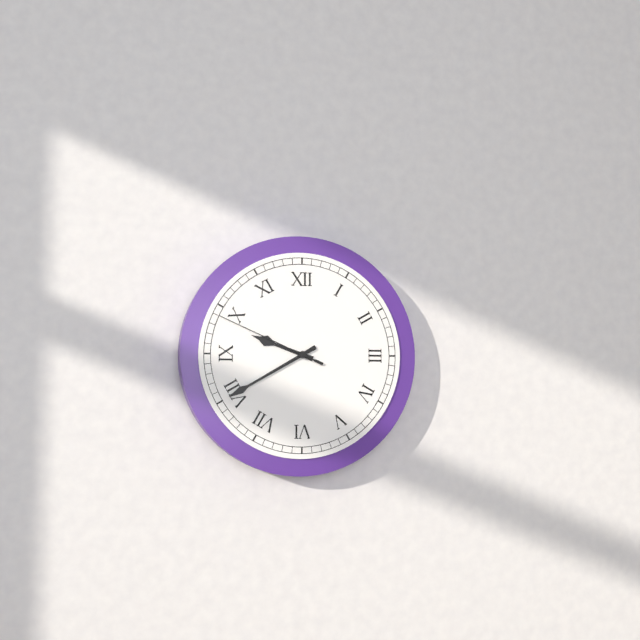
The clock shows **9:40:49**
